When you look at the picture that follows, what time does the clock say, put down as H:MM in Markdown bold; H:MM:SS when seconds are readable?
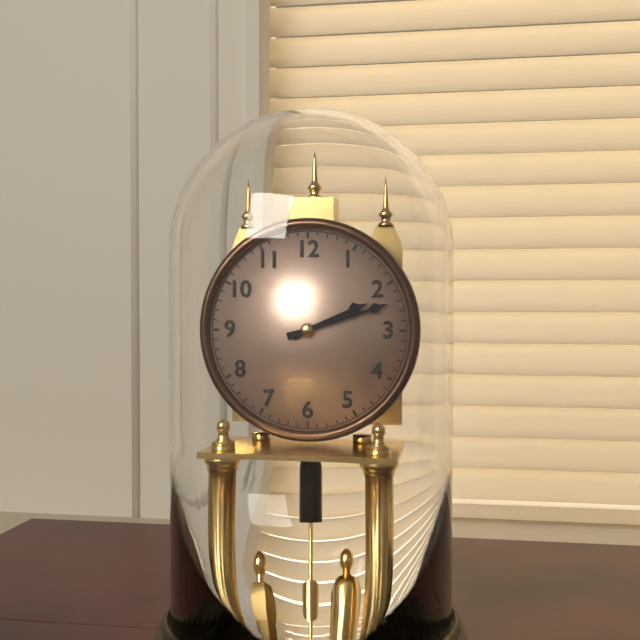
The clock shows **2:12**
